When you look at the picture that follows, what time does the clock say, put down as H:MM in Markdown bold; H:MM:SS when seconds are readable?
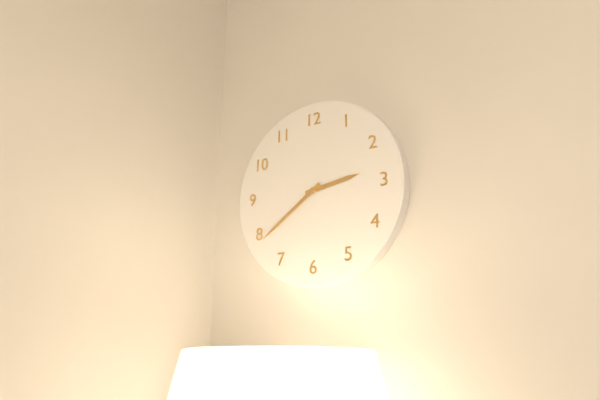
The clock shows **2:39**
